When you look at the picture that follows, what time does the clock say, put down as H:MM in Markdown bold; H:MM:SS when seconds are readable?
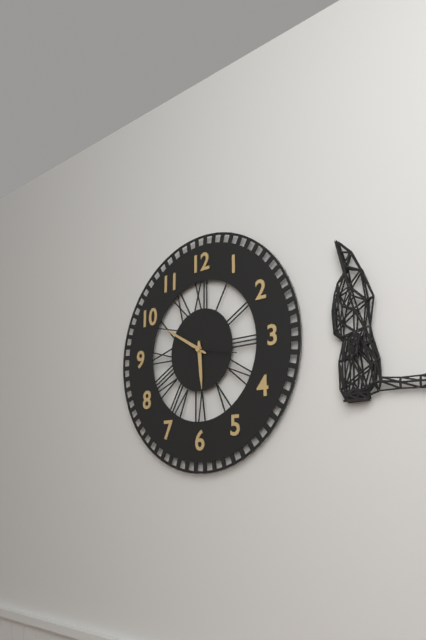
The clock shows **5:50**
